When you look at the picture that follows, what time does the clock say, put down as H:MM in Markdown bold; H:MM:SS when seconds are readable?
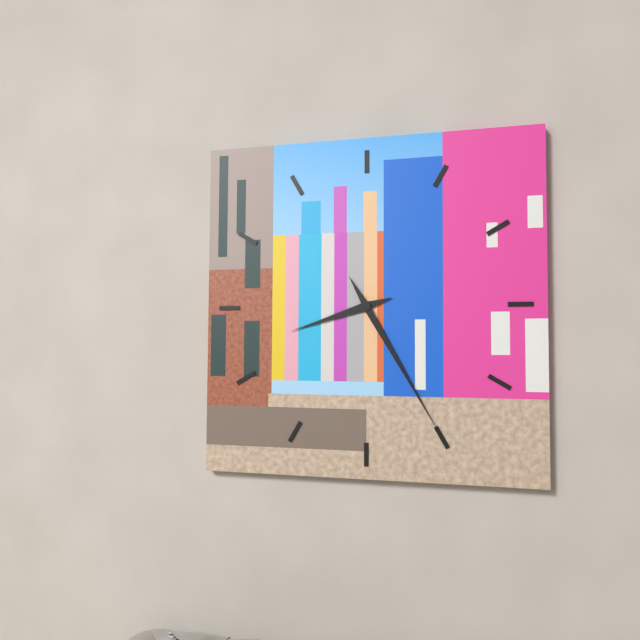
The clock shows **8:25**
